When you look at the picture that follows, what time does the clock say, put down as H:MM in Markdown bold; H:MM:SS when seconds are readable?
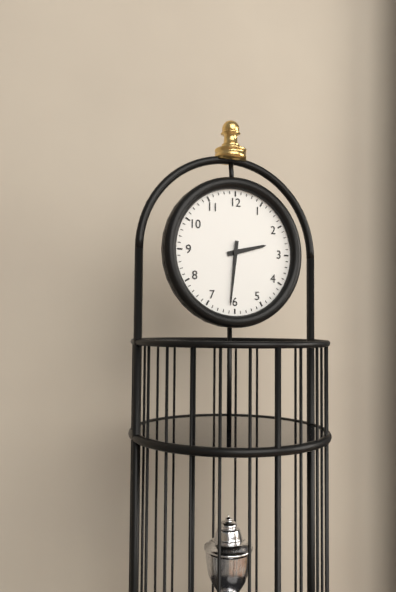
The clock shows **2:31**
